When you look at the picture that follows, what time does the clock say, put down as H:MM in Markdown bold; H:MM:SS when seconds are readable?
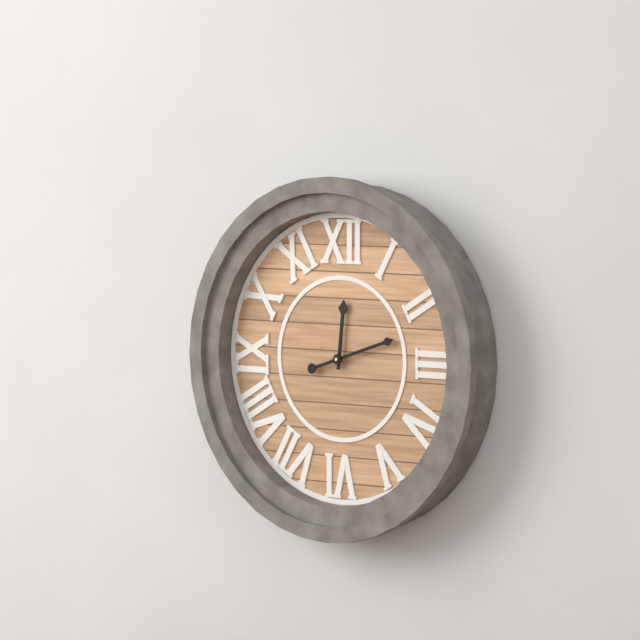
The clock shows **12:12**
